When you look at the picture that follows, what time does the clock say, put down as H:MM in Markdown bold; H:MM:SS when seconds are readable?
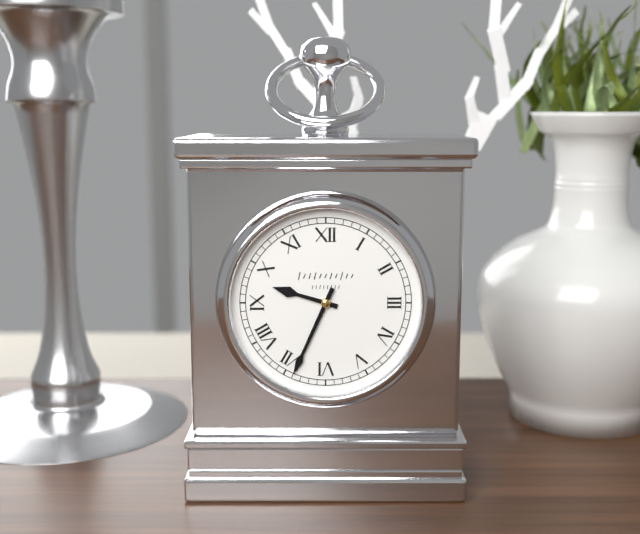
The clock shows **9:34**
